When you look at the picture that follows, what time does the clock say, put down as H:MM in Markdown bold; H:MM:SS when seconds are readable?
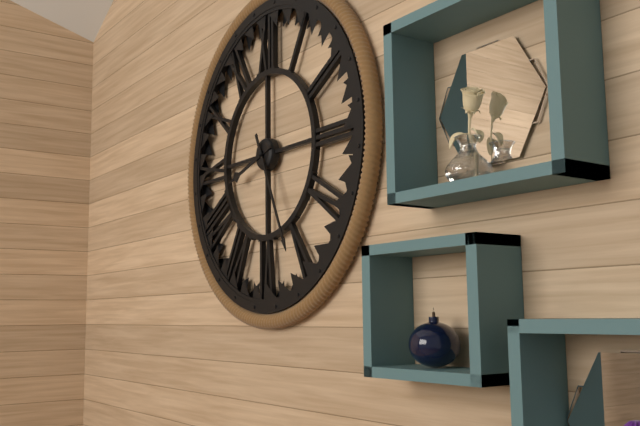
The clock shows **8:26**
